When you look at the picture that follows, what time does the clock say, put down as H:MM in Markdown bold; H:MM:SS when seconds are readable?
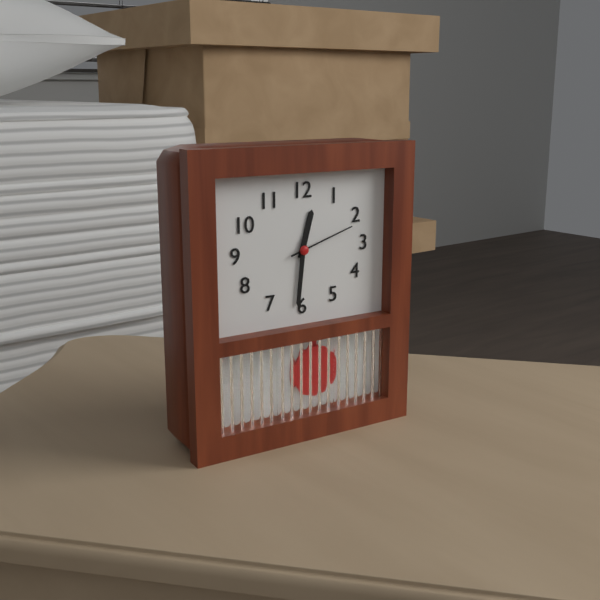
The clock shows **12:31:12**
